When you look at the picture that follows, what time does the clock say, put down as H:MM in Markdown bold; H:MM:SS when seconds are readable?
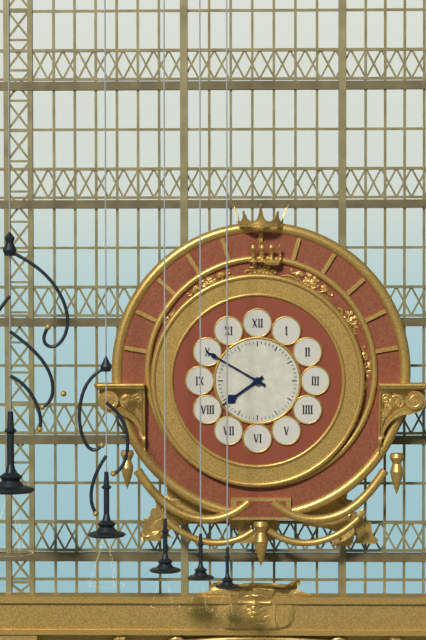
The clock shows **7:50**
